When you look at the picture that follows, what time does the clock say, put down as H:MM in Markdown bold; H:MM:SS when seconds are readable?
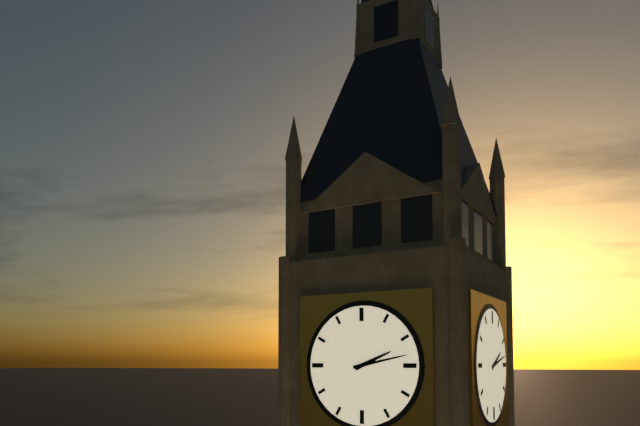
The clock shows **2:13**
